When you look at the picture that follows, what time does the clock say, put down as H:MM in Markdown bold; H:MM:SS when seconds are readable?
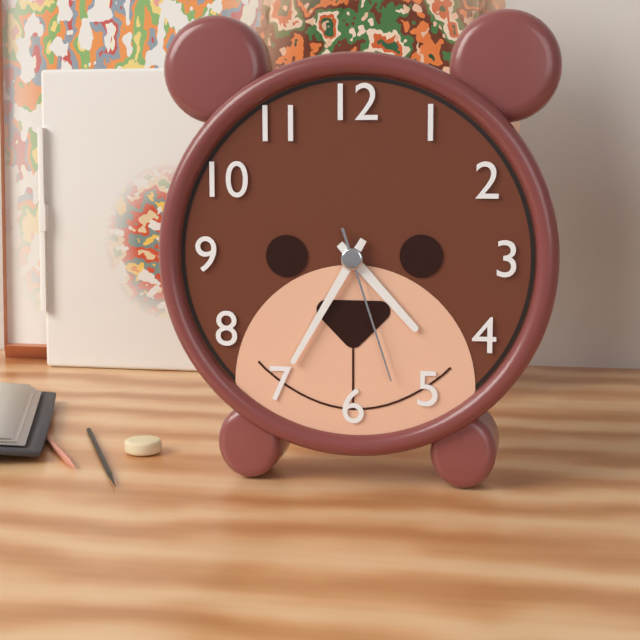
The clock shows **4:35:27**
